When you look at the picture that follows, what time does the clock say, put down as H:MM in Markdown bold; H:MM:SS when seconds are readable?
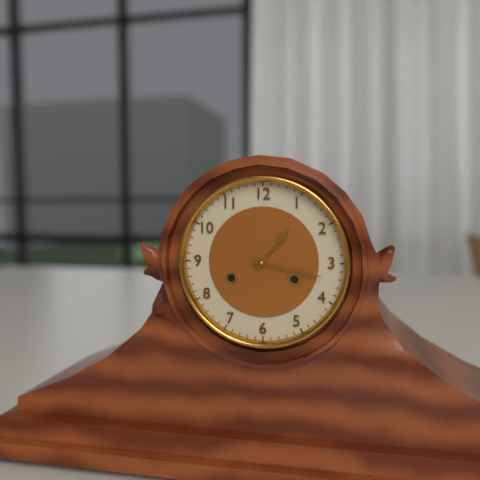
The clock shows **1:17**
